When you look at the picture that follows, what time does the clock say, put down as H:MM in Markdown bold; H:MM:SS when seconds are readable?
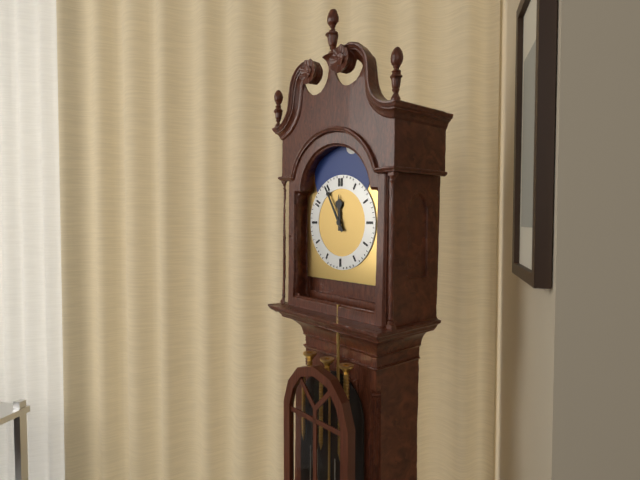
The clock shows **11:55**
